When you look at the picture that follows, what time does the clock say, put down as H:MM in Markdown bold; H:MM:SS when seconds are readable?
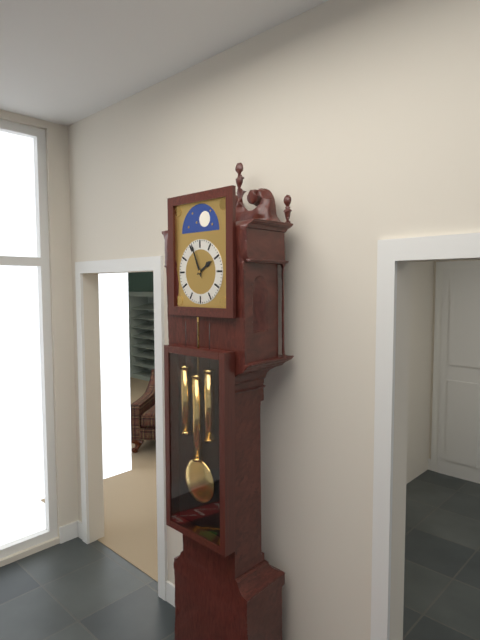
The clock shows **1:56**
